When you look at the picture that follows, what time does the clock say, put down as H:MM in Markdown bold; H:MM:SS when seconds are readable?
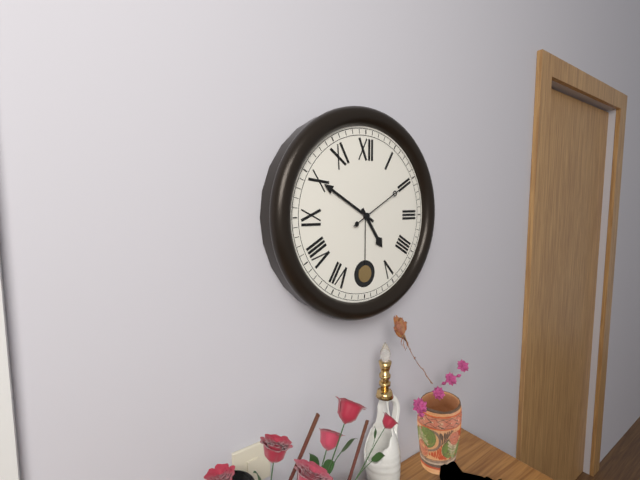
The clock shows **4:50:10**
